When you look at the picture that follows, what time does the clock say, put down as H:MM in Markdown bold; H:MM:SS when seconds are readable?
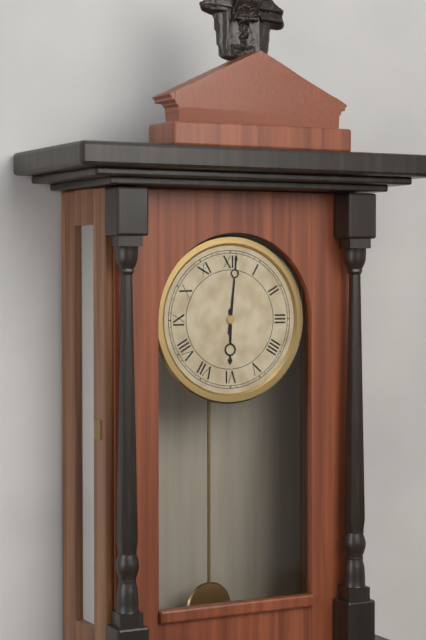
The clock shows **6:01**
